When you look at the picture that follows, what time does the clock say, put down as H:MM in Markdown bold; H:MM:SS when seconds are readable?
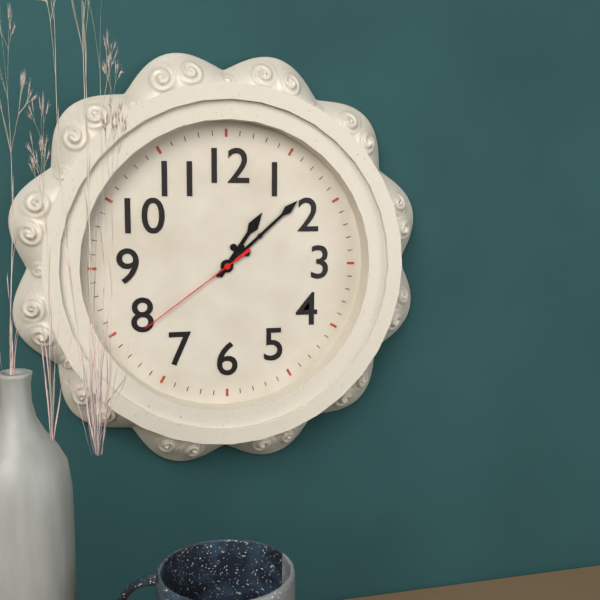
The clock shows **1:08:39**
